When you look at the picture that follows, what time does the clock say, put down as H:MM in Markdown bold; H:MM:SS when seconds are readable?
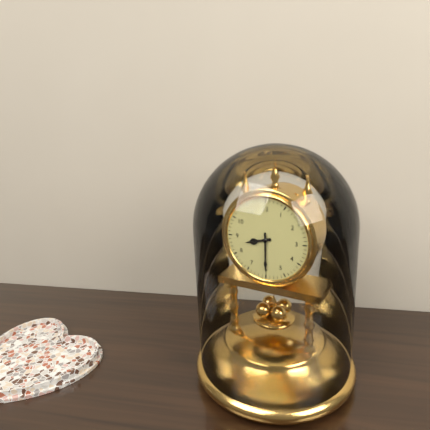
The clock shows **8:30**
